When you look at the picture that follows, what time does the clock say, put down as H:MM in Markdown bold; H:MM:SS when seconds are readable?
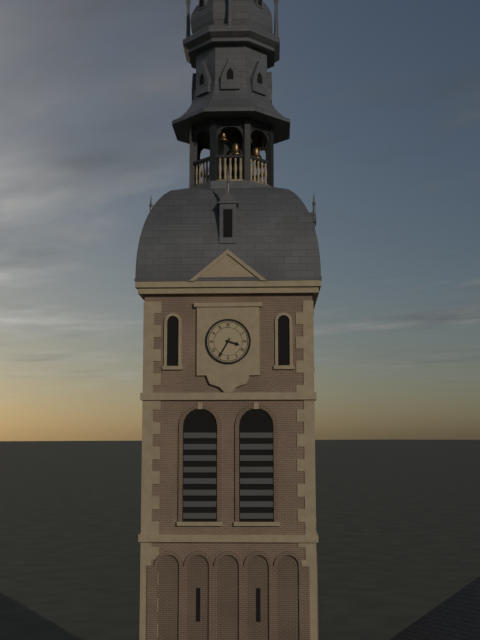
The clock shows **3:35**
